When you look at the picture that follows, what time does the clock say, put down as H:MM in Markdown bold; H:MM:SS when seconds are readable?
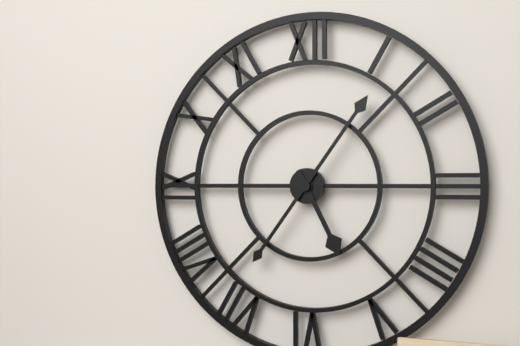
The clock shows **5:06**
